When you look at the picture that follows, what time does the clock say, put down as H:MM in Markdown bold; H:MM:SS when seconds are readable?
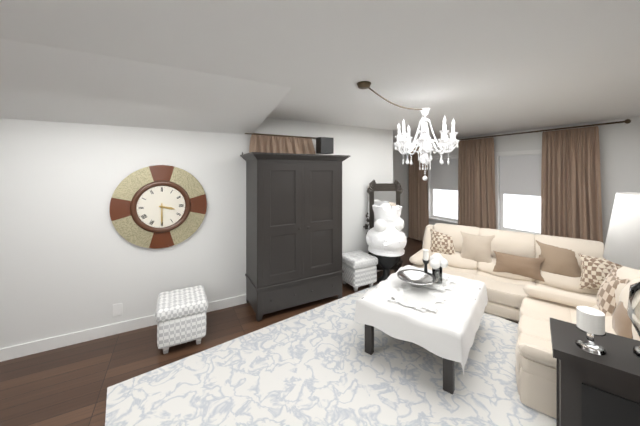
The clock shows **3:30**
